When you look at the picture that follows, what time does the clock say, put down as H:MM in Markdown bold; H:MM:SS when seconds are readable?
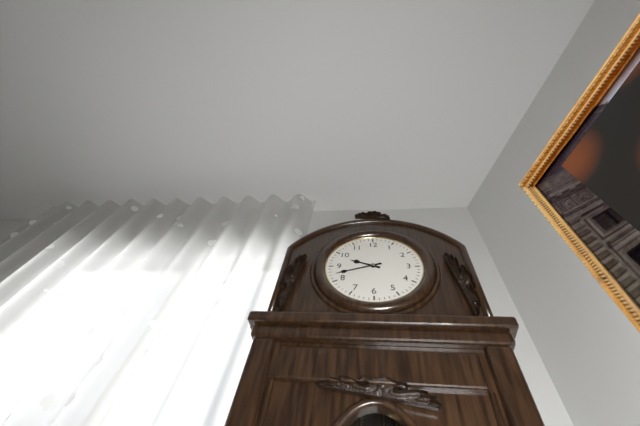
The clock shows **9:42**
